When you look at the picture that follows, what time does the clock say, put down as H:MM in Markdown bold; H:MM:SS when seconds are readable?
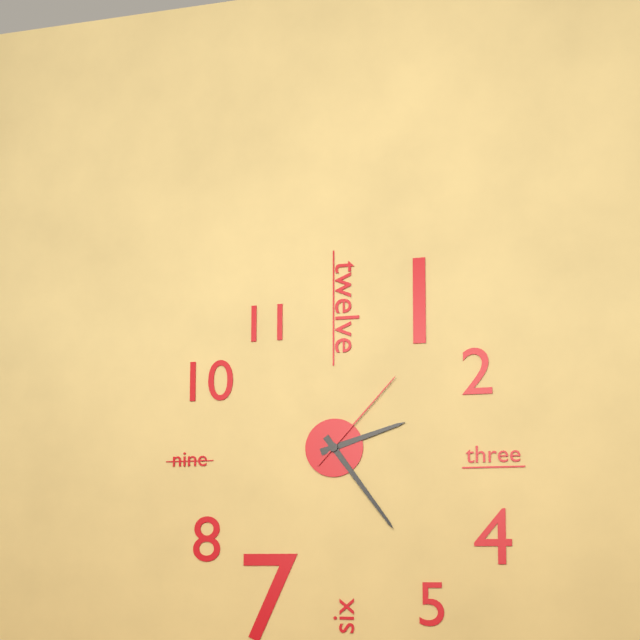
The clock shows **2:24:07**
